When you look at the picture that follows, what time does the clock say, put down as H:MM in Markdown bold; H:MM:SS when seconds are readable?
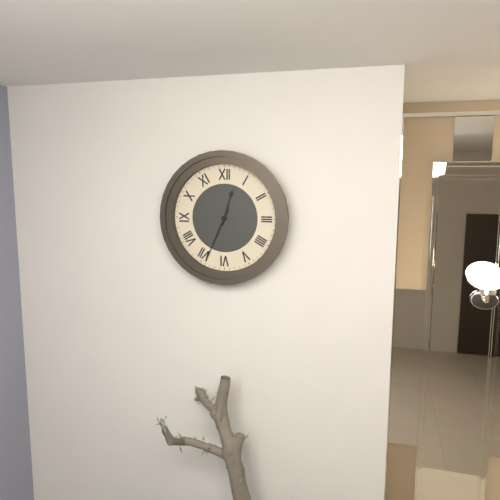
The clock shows **12:34**
